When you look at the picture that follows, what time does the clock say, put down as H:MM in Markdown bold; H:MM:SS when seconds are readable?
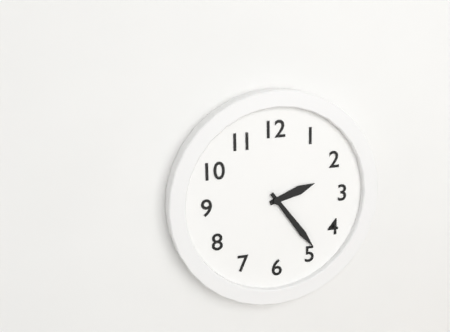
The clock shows **2:24**
